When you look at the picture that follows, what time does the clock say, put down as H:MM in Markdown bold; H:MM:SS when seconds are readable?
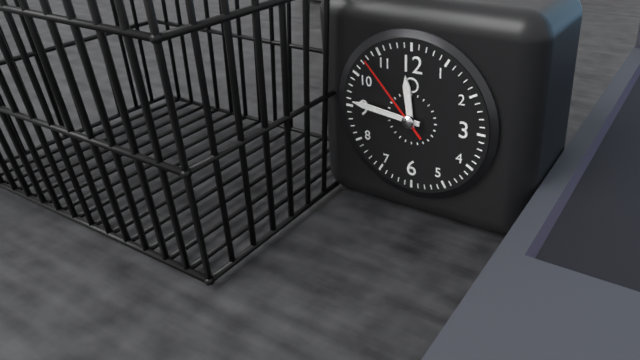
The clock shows **11:46:53**
